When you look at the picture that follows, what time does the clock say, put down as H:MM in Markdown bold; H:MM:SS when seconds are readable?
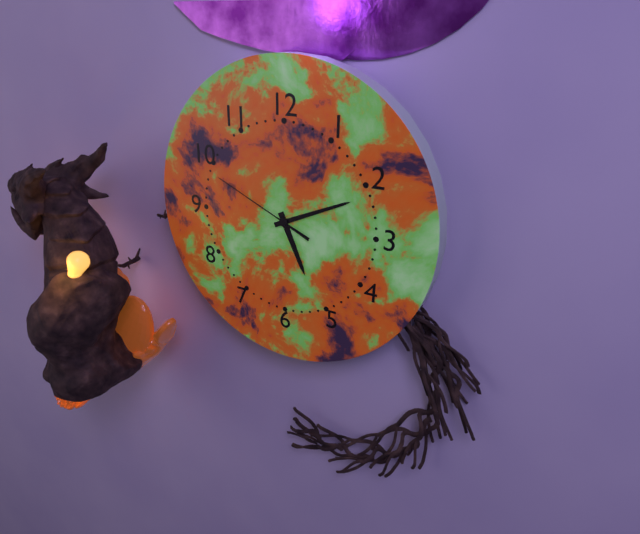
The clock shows **5:11:49**
